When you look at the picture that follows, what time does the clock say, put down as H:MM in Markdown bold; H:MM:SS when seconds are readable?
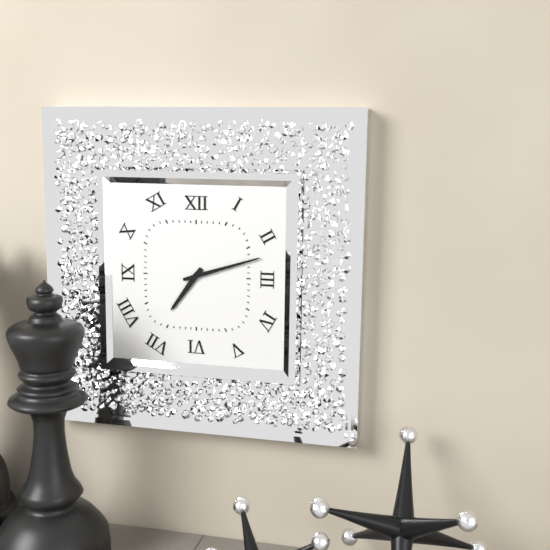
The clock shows **7:12**
